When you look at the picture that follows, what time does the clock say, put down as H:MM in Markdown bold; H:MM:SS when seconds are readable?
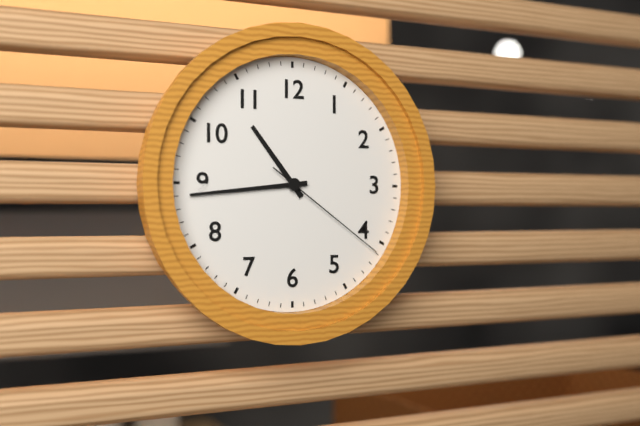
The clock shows **10:44:21**
